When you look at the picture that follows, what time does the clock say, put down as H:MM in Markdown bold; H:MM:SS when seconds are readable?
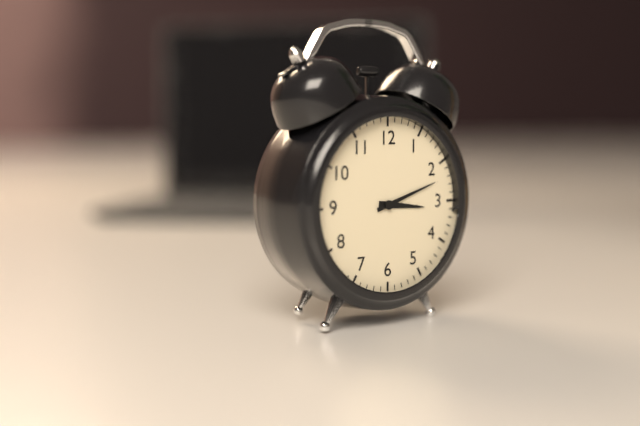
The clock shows **3:12**
